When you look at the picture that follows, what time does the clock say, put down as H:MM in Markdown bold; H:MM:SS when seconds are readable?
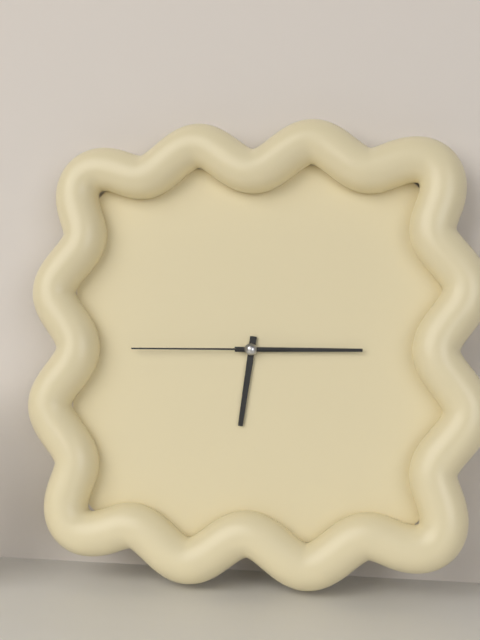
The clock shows **6:15:45**
